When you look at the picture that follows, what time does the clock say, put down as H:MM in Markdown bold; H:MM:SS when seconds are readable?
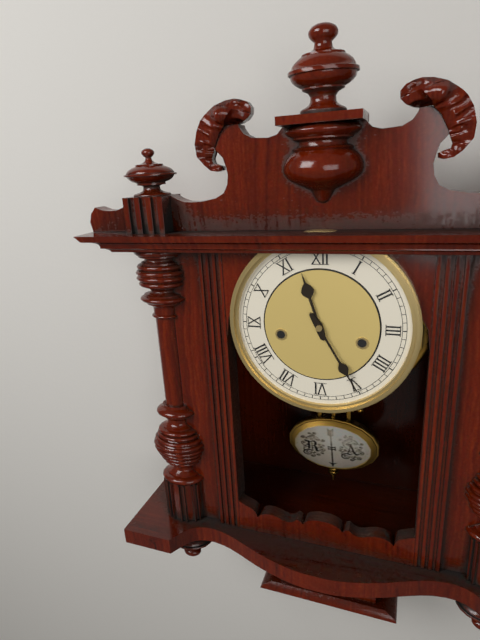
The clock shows **11:25**
